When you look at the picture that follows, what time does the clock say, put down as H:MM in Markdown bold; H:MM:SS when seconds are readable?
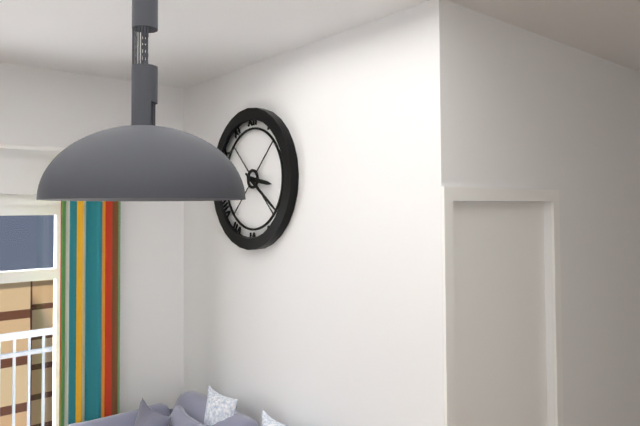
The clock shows **3:21**
